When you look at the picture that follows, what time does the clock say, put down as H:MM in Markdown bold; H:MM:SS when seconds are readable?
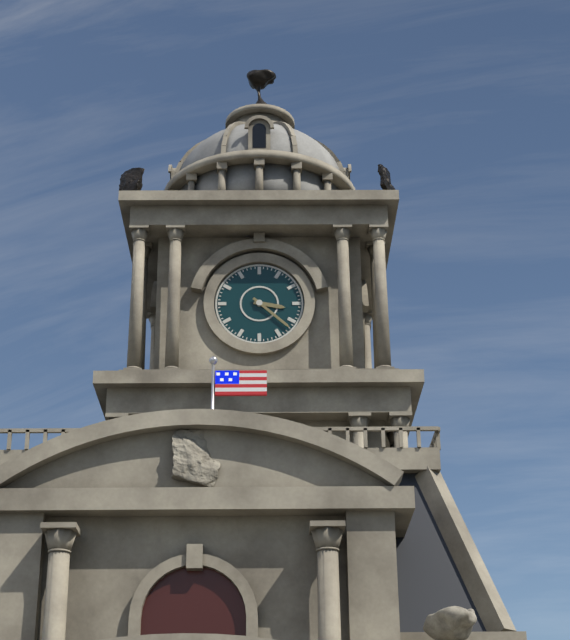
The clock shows **3:22**
